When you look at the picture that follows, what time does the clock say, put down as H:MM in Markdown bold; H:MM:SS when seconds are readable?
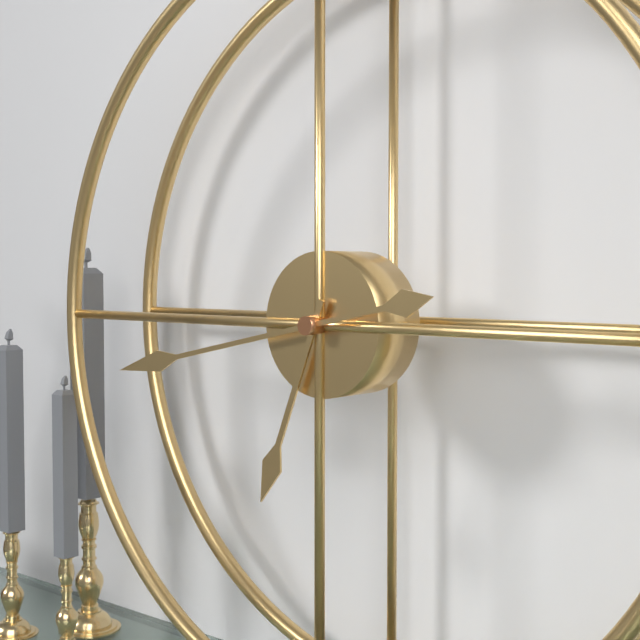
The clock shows **6:43**
